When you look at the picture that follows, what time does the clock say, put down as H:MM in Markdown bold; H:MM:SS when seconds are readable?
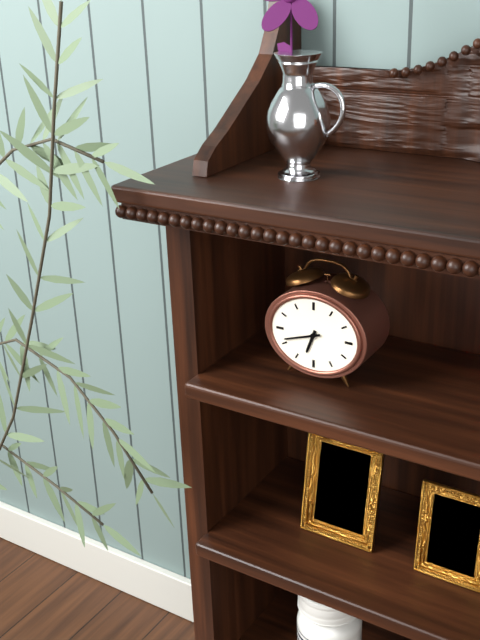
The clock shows **6:42**
